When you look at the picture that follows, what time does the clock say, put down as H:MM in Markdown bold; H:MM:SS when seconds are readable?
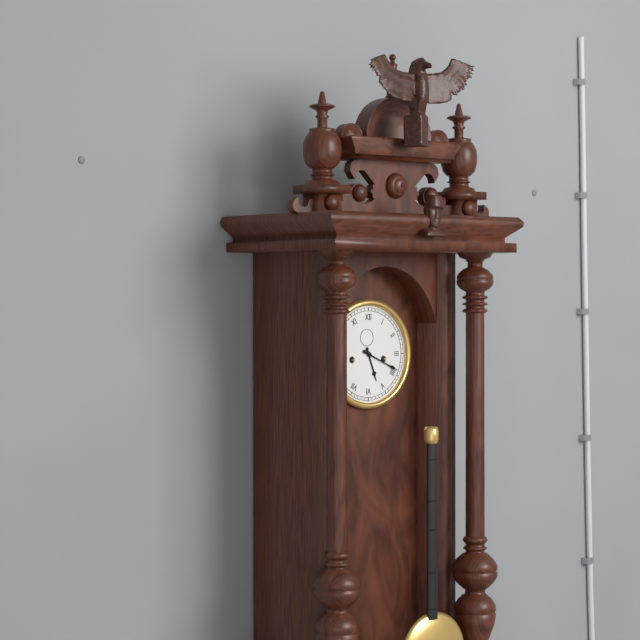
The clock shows **5:19**
